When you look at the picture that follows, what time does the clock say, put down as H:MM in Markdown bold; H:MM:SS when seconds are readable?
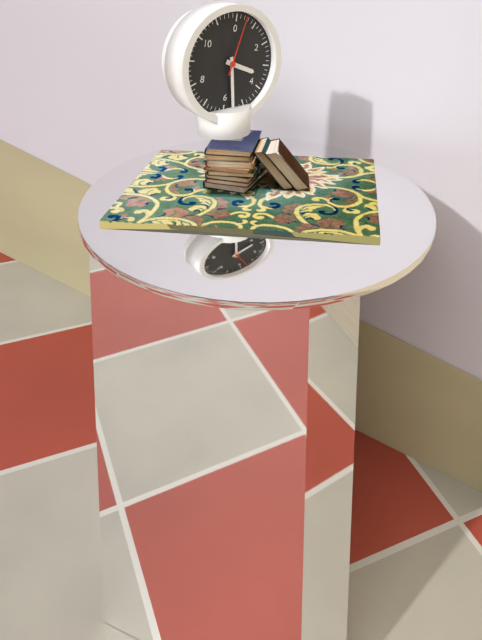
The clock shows **3:28:02**
